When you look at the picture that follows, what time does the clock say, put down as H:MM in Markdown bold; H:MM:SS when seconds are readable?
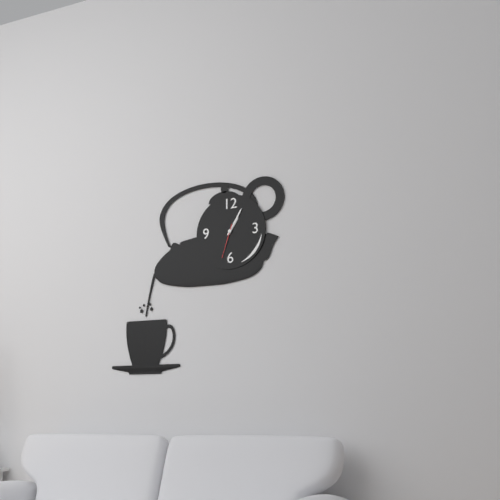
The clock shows **1:05**
